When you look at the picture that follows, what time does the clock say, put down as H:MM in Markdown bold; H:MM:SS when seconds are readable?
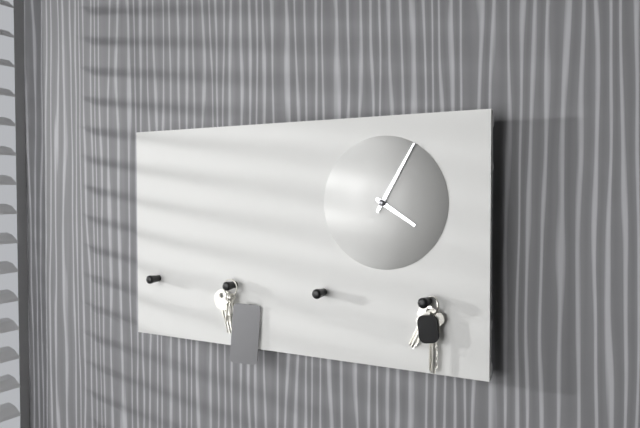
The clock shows **4:05**
